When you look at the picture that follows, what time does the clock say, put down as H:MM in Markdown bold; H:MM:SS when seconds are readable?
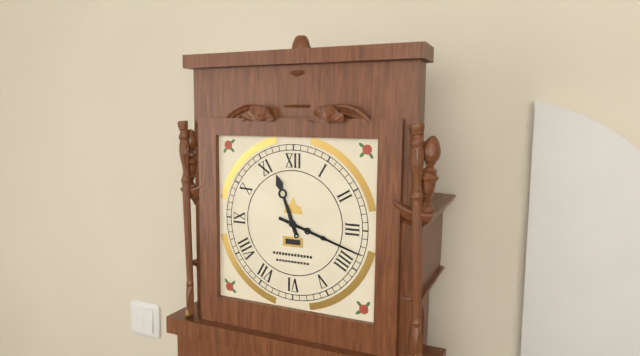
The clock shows **11:18**
